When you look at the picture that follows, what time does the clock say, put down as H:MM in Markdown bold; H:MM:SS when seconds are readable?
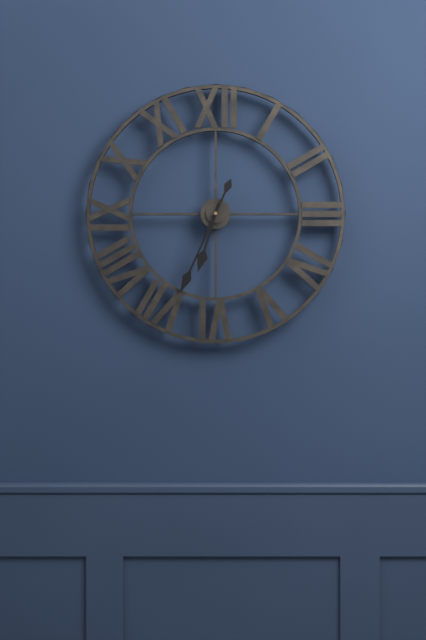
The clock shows **6:34**
